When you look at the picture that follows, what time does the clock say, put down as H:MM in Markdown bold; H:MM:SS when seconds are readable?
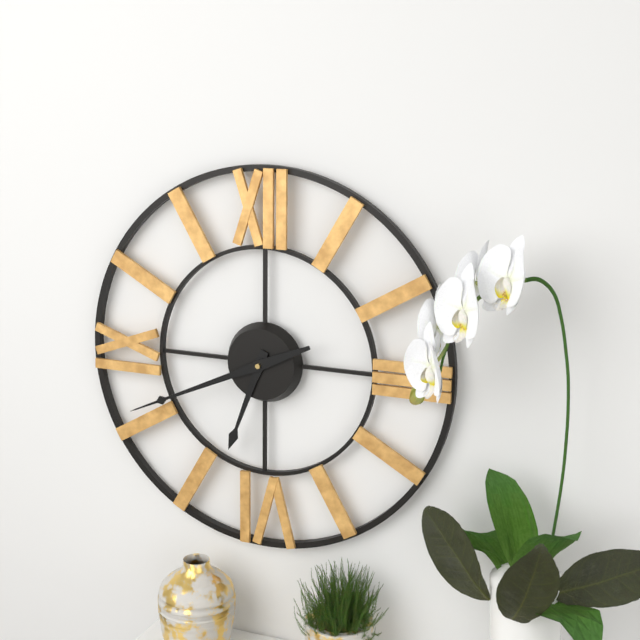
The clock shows **6:41**
